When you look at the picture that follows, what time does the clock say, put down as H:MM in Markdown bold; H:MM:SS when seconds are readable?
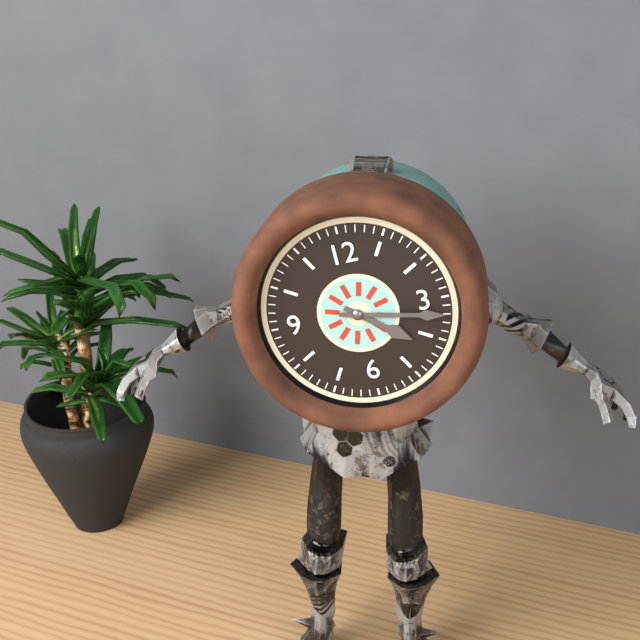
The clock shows **4:17**
